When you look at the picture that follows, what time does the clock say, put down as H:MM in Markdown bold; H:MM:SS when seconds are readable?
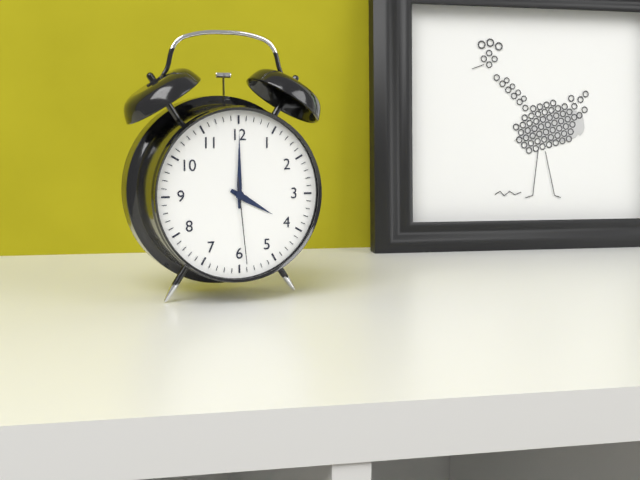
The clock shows **4:00:29**
